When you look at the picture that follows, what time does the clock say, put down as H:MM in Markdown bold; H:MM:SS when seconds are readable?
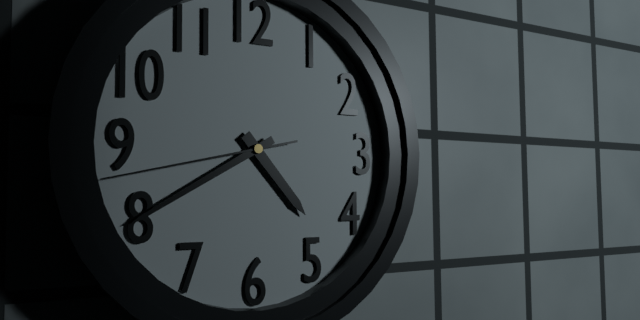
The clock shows **4:40:43**
